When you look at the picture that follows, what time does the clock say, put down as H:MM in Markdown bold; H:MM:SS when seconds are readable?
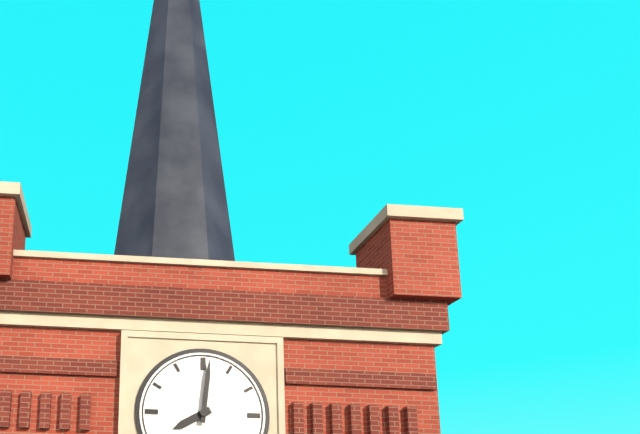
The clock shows **8:01**
